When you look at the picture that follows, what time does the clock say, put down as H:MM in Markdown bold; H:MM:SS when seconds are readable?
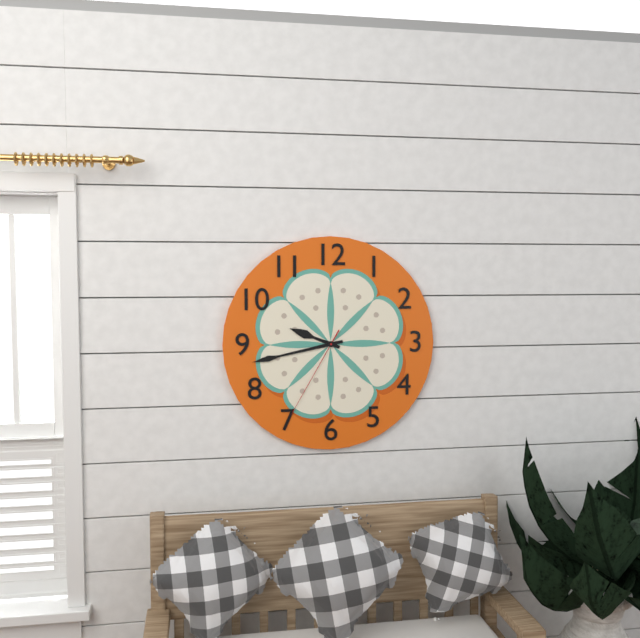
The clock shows **9:43:35**
